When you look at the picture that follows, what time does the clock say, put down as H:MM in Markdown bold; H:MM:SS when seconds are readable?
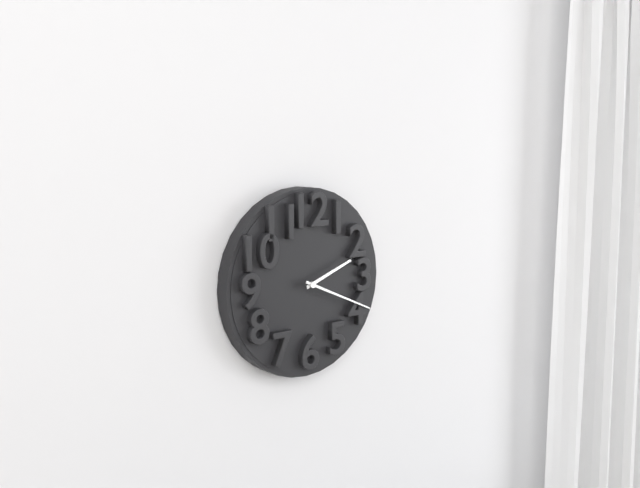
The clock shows **2:19**
